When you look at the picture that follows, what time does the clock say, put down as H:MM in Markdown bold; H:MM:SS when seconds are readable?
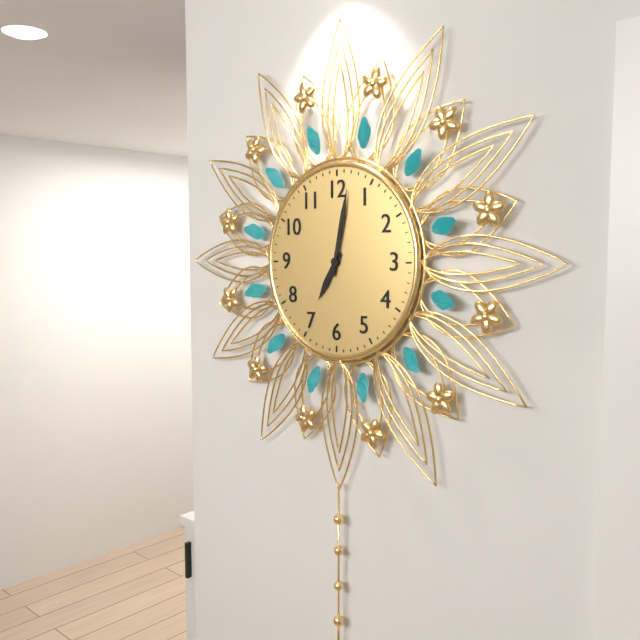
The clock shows **7:02**
